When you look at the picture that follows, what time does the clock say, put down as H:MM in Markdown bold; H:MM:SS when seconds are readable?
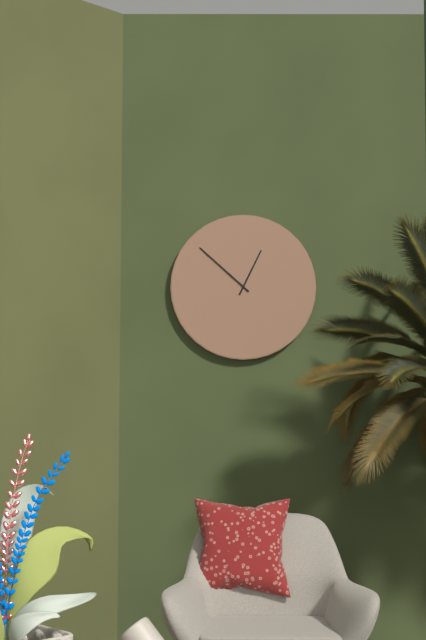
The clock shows **12:52**
